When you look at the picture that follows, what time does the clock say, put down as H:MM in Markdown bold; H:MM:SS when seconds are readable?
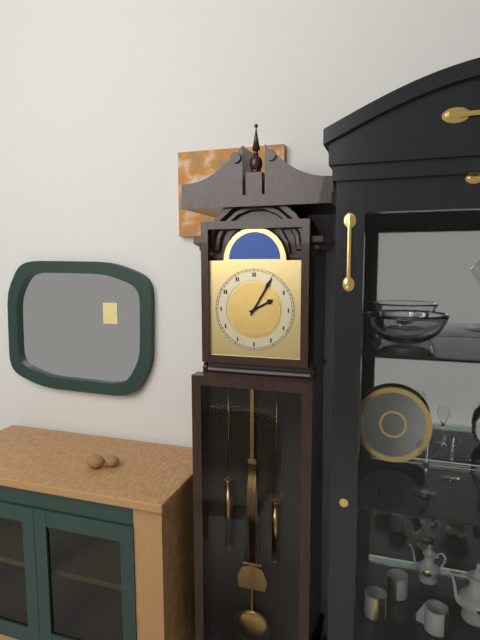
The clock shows **2:05**
